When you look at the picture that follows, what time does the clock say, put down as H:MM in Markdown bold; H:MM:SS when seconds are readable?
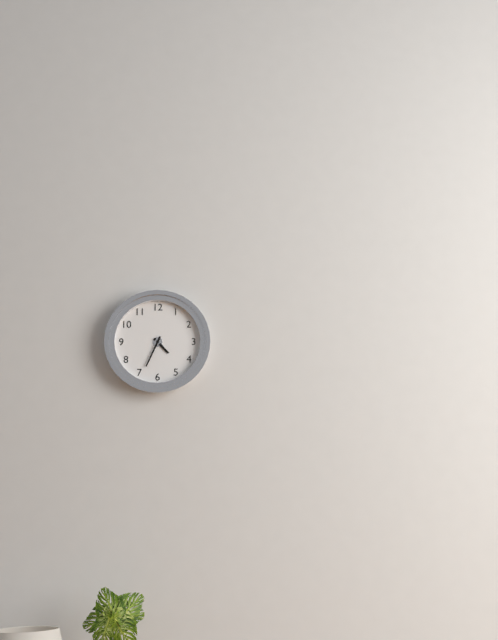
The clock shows **4:34**
